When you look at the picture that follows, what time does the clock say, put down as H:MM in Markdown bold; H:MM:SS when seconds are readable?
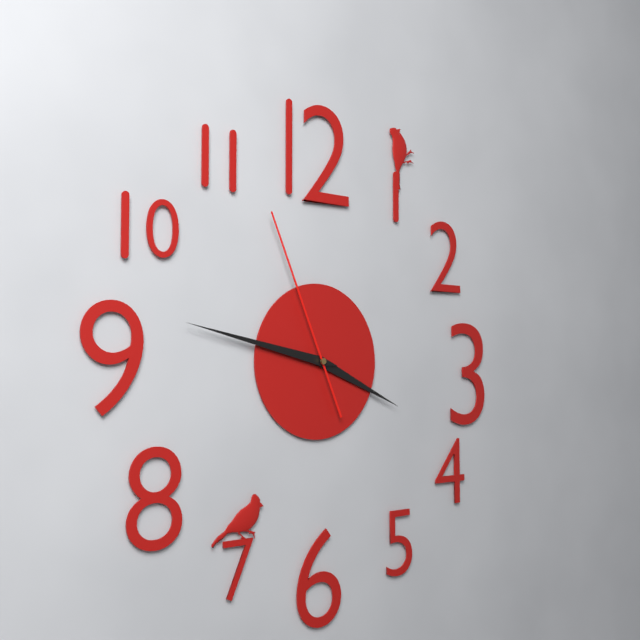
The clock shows **3:47:56**
